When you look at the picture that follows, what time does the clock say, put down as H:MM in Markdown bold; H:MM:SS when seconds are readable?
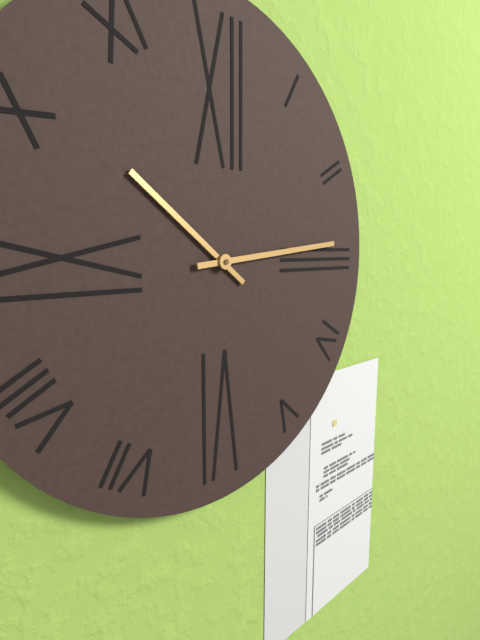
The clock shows **10:14**
